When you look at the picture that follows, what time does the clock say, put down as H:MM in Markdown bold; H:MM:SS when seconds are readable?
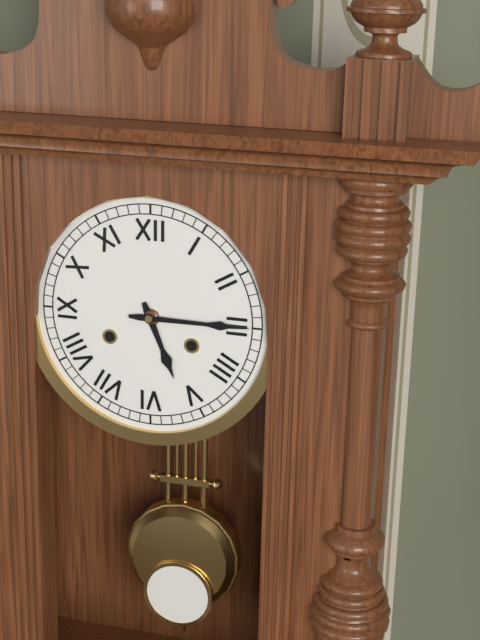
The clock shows **5:15**
